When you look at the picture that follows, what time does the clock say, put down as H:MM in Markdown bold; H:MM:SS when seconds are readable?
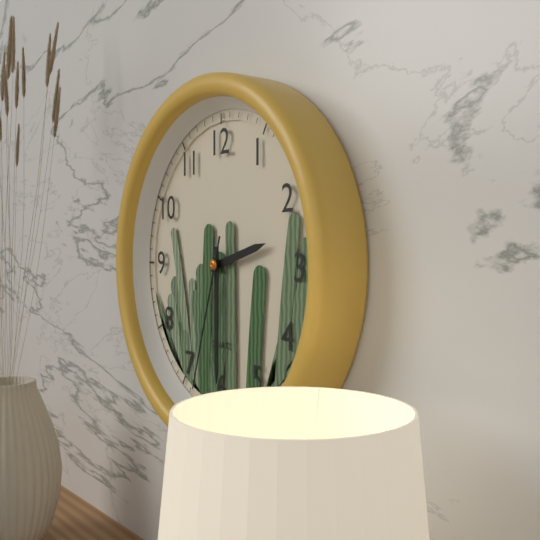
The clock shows **2:30:33**
